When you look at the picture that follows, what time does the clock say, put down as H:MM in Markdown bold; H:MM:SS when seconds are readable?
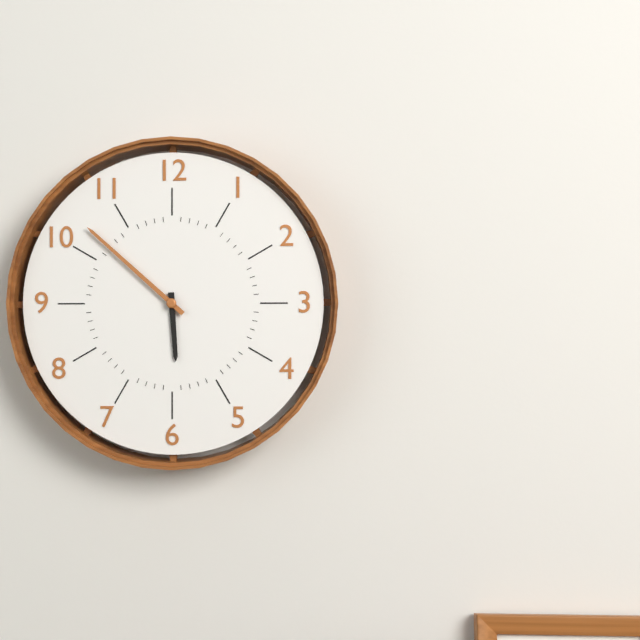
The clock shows **5:52**
